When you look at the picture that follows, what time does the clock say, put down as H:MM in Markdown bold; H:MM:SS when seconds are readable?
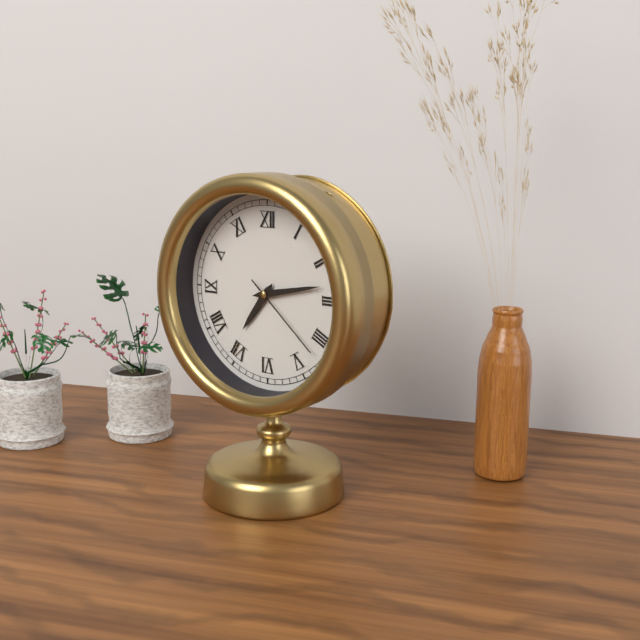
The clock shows **7:13:22**
